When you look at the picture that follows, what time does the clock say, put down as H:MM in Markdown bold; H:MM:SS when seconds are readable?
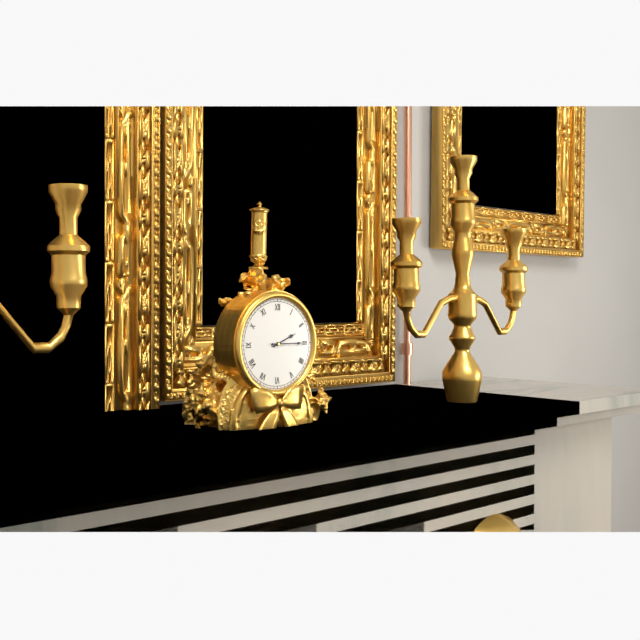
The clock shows **2:15**
